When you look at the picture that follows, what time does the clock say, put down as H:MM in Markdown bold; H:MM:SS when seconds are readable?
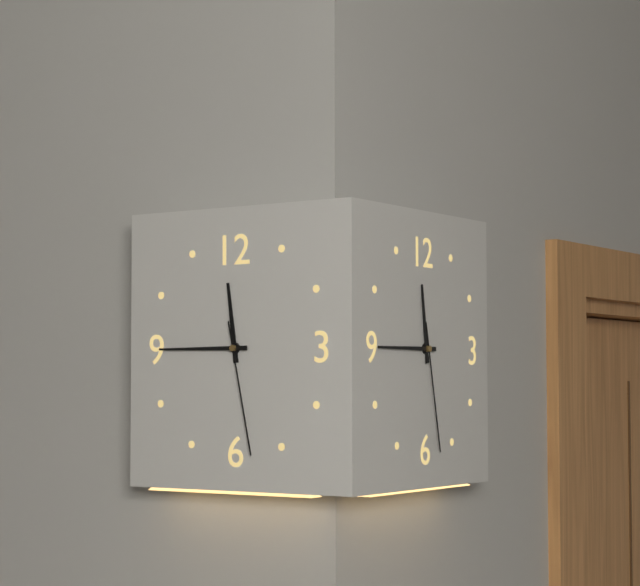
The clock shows **11:45:28**
